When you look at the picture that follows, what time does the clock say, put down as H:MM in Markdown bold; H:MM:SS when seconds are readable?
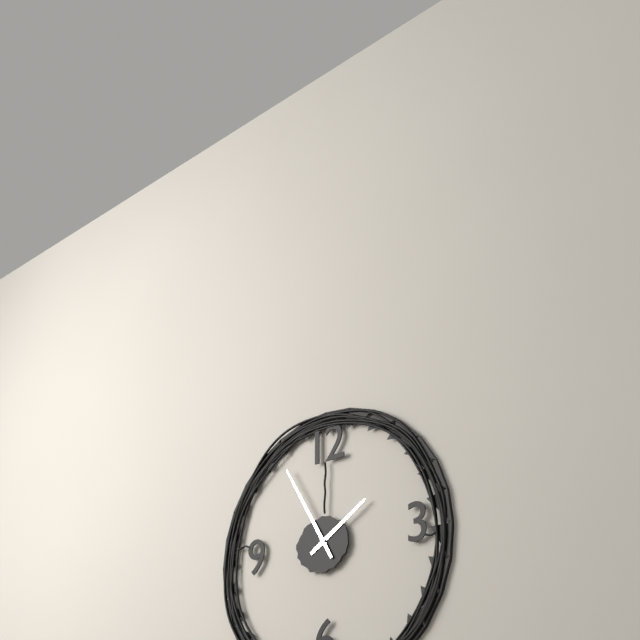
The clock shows **1:55**
